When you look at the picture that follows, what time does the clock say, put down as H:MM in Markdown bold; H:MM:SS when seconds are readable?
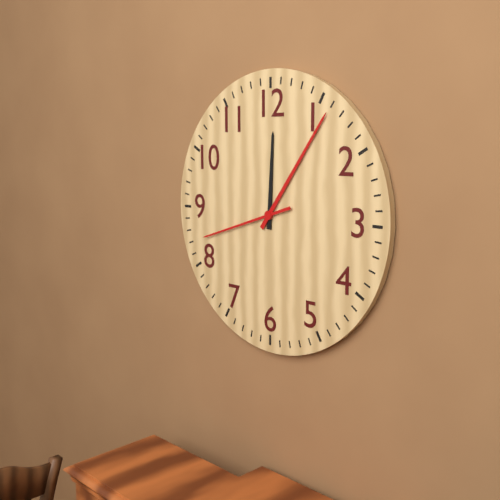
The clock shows **12:06:42**
